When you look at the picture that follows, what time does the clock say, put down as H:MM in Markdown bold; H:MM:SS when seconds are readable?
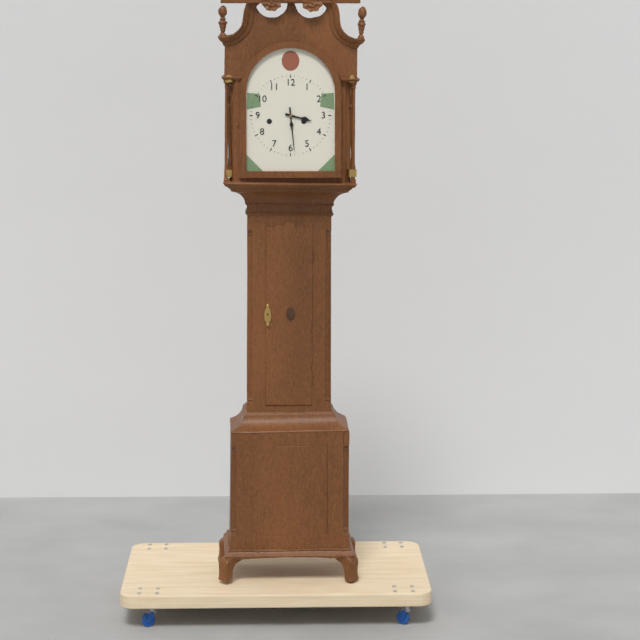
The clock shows **3:29**
